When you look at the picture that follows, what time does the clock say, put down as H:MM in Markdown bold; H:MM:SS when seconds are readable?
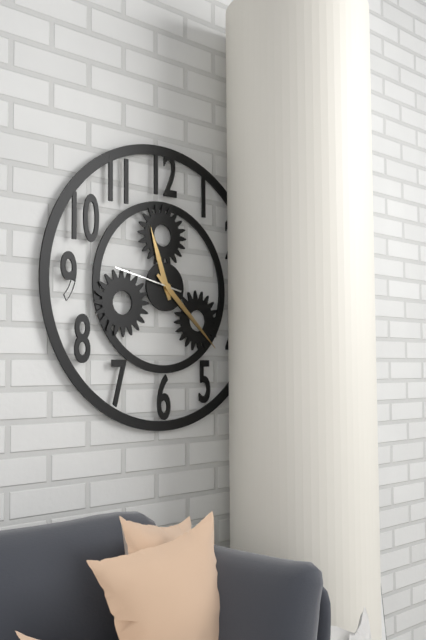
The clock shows **11:22:47**
